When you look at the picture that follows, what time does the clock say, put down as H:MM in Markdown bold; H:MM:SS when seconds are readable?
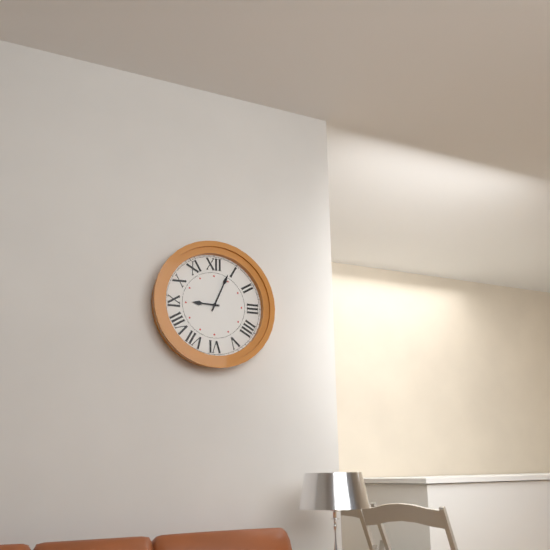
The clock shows **9:04**
